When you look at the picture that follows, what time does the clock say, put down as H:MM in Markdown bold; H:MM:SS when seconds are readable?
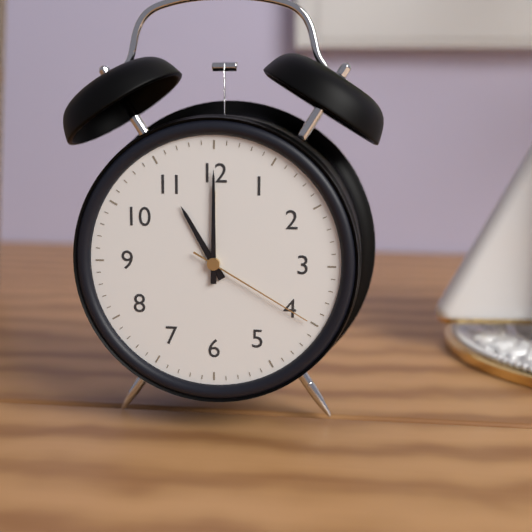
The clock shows **11:00:20**
